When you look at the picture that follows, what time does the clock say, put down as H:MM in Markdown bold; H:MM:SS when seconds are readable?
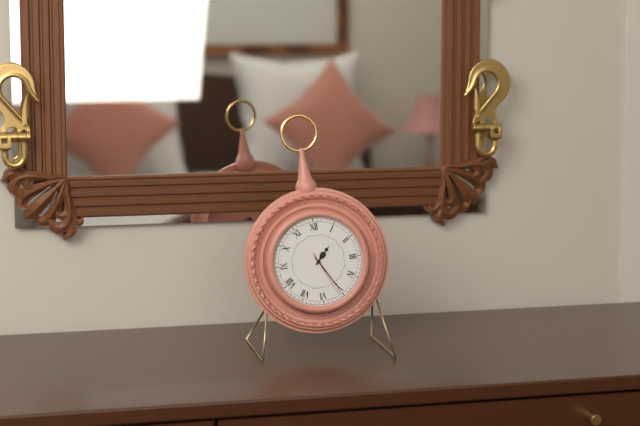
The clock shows **1:25:26**
